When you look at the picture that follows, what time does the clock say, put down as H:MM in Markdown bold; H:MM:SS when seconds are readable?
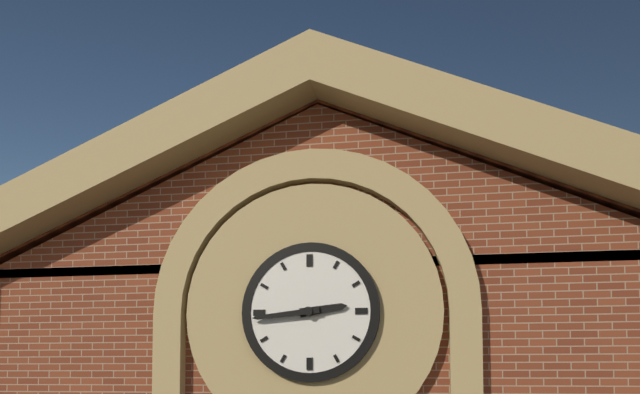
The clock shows **2:44**
